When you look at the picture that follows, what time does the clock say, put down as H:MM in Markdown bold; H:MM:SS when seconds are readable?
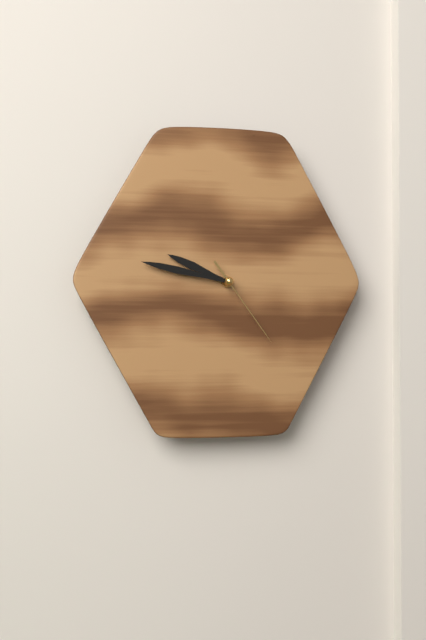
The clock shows **9:47:24**
